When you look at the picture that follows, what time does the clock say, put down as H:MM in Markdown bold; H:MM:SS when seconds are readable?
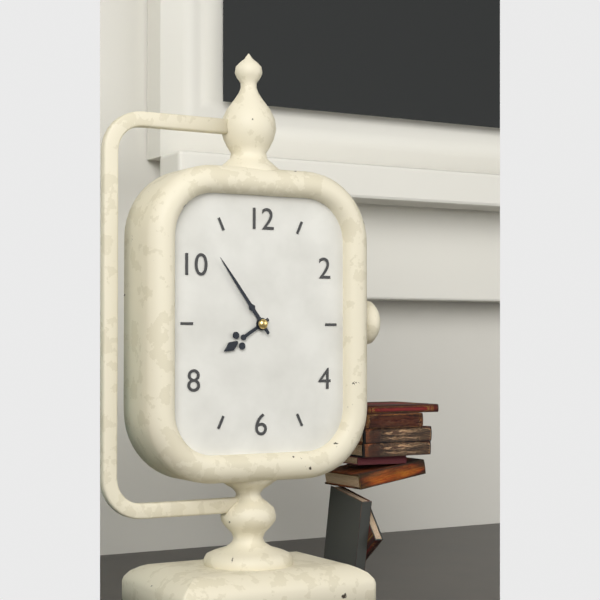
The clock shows **7:54**
